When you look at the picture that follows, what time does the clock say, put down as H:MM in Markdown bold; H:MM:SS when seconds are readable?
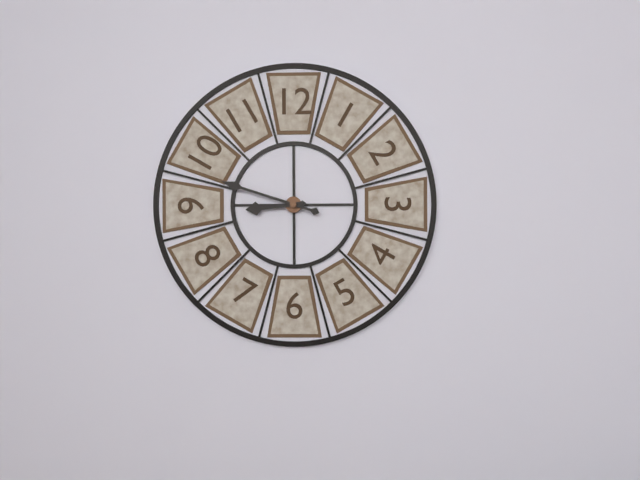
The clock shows **8:48**
